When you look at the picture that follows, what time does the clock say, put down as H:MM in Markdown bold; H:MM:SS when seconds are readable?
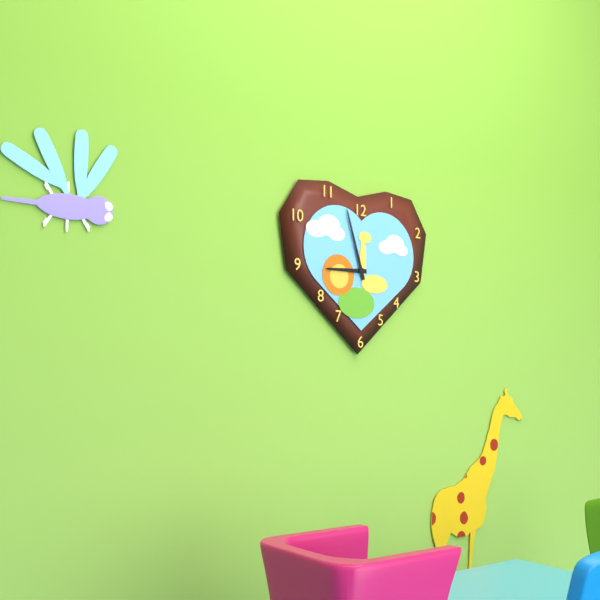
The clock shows **8:57**
